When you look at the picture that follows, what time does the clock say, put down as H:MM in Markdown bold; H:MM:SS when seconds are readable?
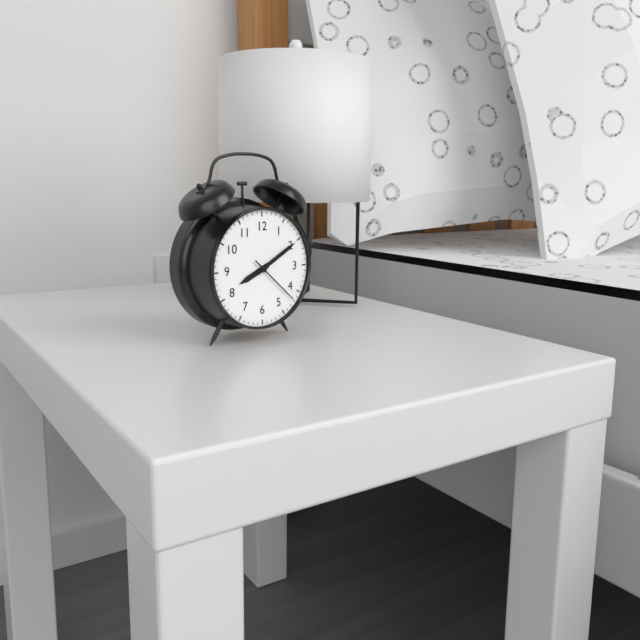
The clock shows **8:10:22**
